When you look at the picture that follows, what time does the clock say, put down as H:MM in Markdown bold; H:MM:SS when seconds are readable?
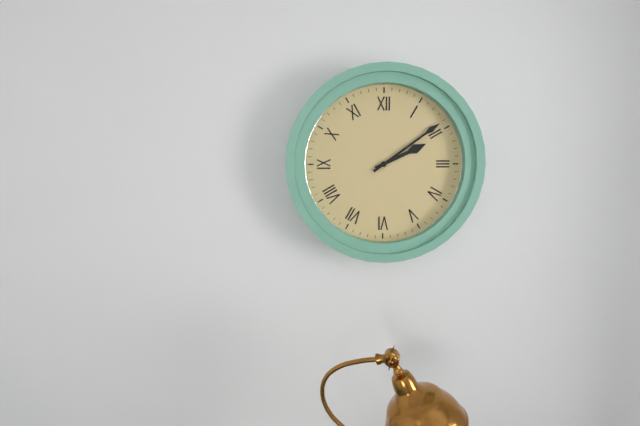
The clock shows **2:09**
